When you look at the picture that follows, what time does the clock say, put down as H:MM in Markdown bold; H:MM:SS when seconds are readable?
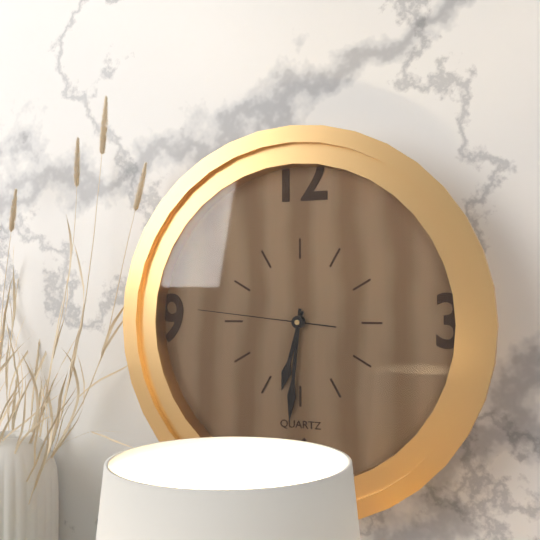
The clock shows **6:31:46**
